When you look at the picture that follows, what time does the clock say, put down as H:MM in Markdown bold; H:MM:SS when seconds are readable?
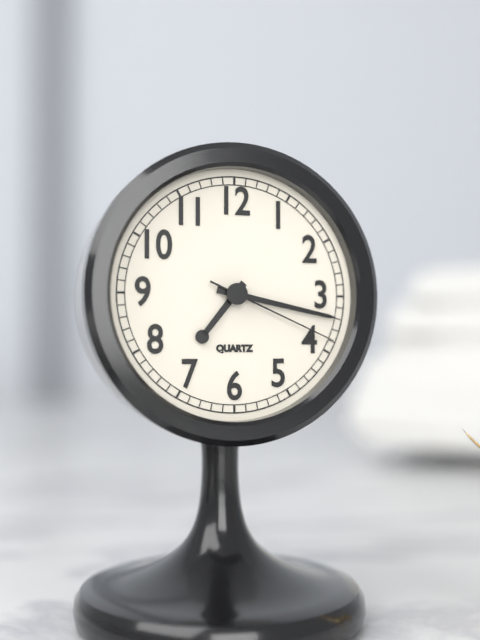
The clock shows **7:17:19**
